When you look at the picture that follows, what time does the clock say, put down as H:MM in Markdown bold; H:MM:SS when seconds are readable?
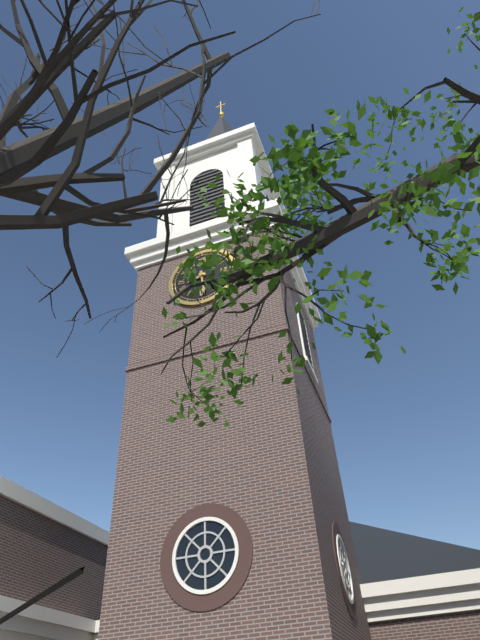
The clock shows **8:29**
